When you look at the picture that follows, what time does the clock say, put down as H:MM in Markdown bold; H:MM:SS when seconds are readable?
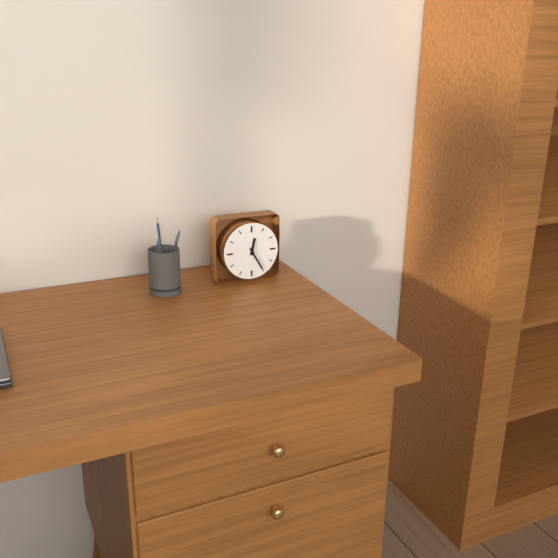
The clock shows **12:25**
